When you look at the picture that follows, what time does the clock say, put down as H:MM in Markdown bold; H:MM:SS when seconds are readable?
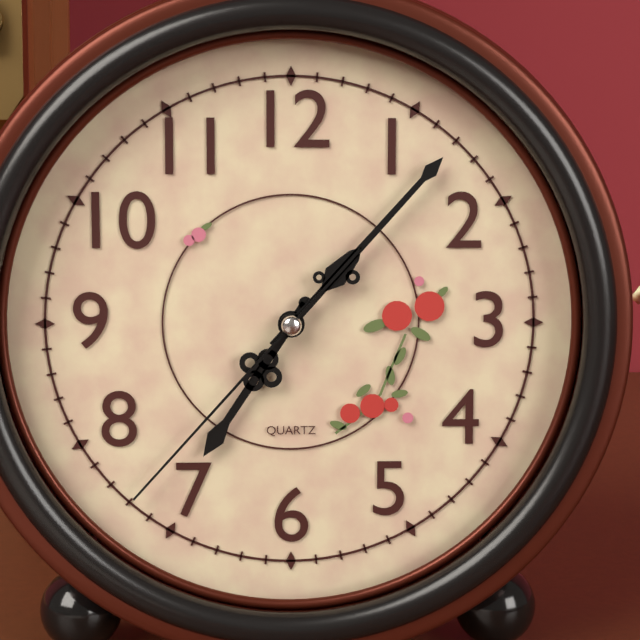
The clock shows **7:07:37**
